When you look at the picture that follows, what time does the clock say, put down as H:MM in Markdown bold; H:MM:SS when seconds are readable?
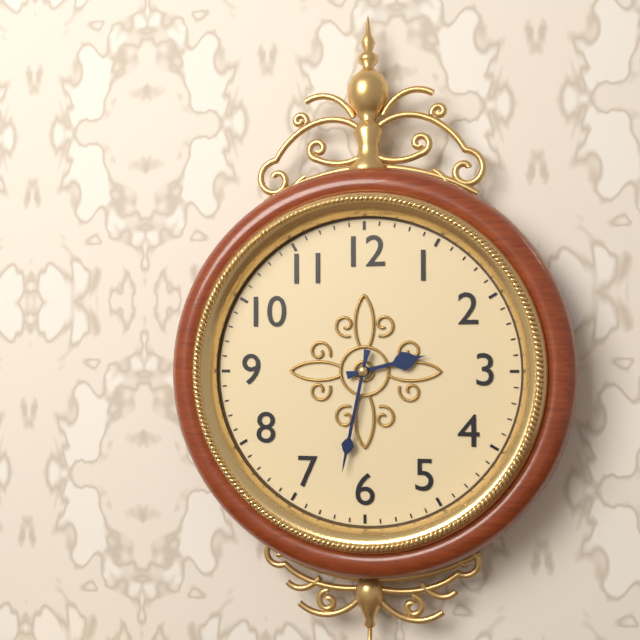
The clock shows **2:32**
